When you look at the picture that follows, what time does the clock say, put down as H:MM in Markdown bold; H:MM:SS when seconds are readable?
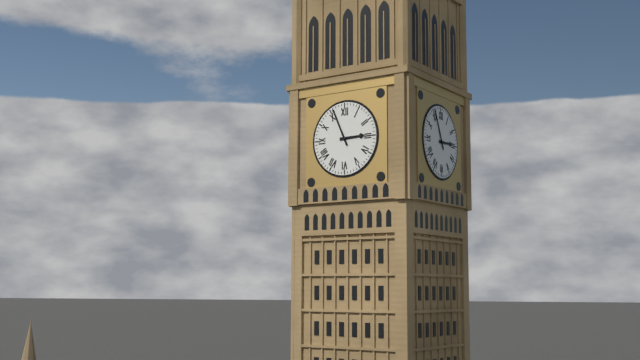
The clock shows **2:56**
